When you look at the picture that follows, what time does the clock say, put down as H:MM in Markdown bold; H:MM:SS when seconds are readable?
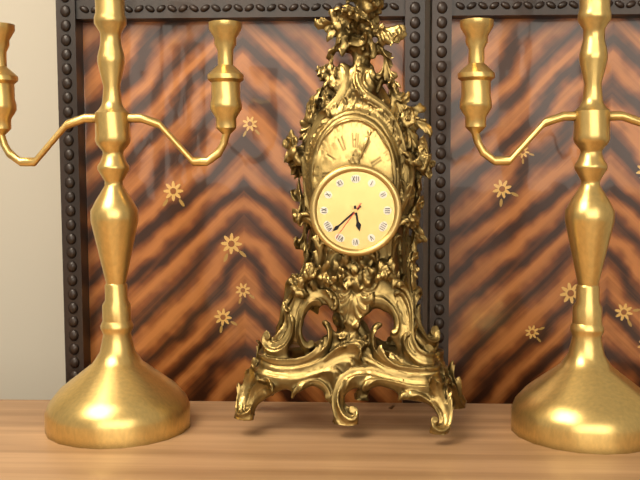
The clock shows **5:38**
